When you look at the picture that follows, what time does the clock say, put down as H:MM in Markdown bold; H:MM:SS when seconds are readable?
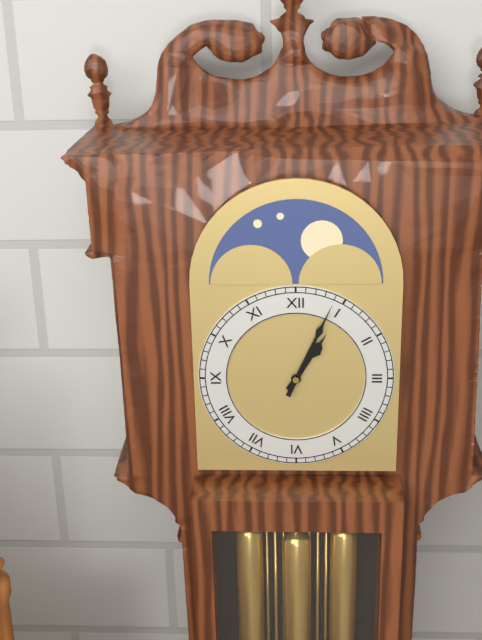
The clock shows **1:04**
